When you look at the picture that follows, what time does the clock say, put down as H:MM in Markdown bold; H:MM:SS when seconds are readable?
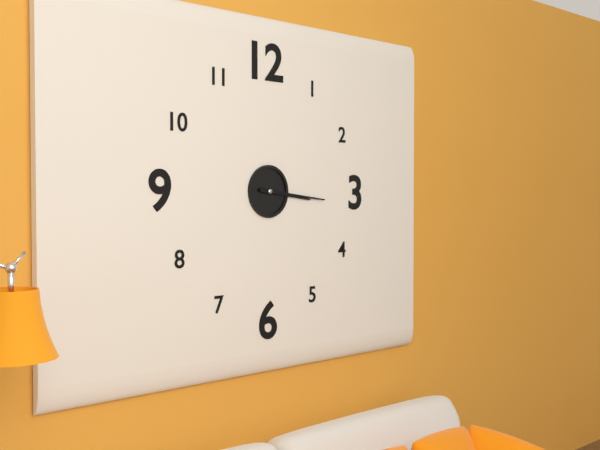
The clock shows **3:16**
